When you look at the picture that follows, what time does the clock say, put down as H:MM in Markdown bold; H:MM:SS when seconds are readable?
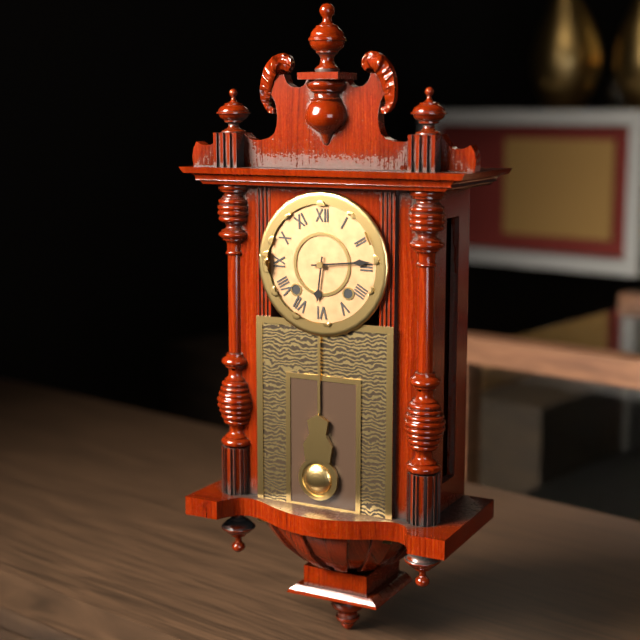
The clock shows **6:14**
